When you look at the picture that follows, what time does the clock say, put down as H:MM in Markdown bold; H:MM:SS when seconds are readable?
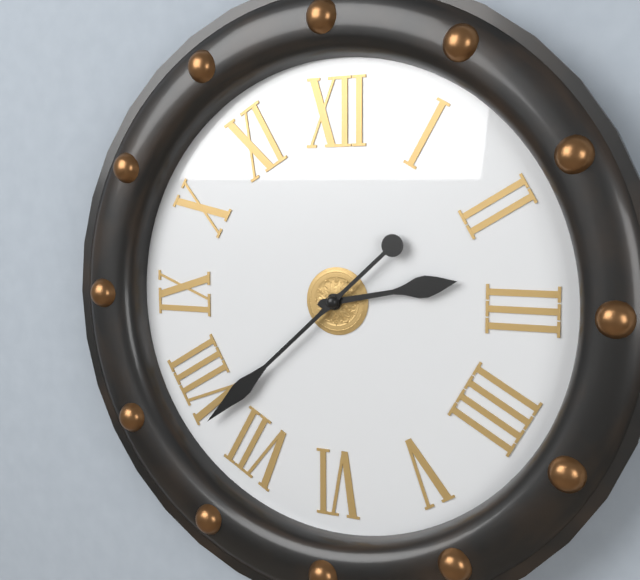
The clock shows **2:38**
